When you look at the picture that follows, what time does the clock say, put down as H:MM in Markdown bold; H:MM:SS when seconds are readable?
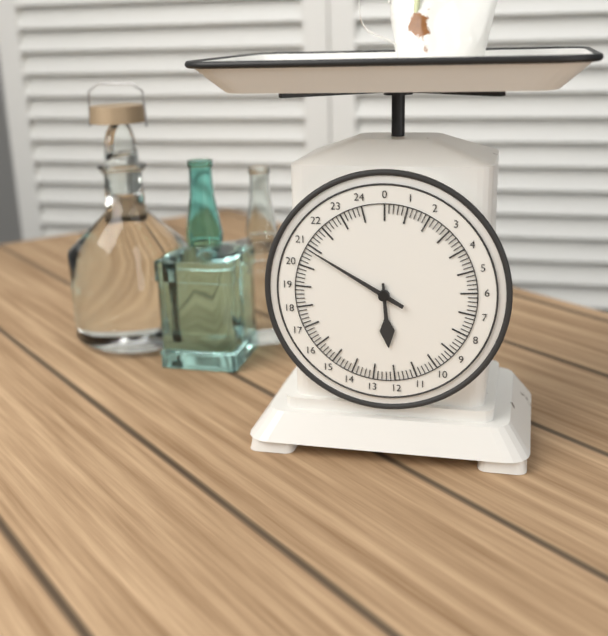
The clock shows **5:50**
